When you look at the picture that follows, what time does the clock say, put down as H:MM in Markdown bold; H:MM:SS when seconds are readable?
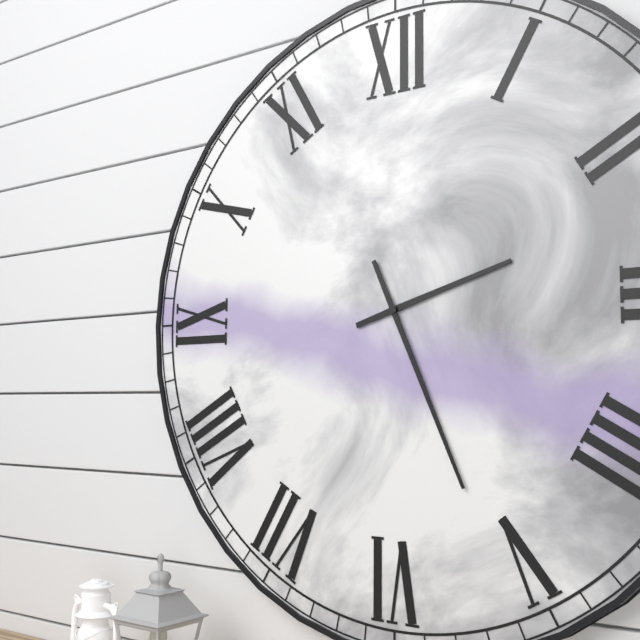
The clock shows **2:26**
